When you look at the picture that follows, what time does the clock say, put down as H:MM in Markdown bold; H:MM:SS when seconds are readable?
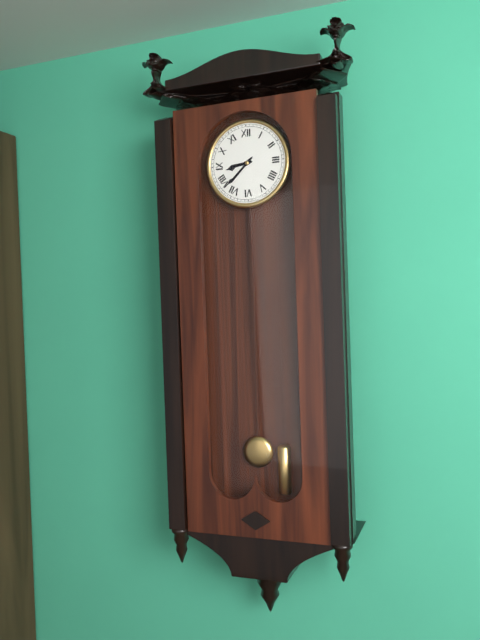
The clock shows **8:38**
